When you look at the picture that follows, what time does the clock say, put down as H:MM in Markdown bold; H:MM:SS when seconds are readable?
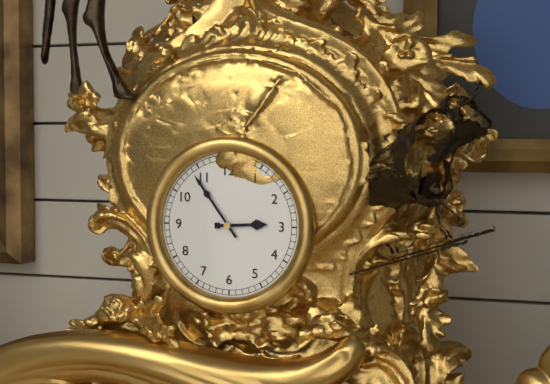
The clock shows **2:54**
